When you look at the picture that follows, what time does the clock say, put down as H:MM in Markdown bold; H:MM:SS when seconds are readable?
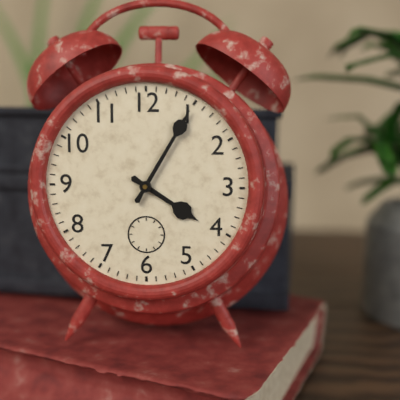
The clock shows **4:05**
